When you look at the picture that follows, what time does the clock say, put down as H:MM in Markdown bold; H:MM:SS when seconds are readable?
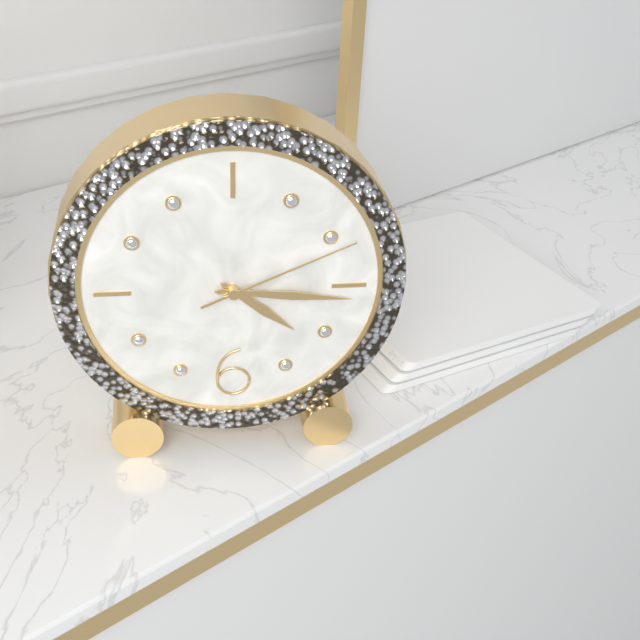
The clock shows **4:16:11**
